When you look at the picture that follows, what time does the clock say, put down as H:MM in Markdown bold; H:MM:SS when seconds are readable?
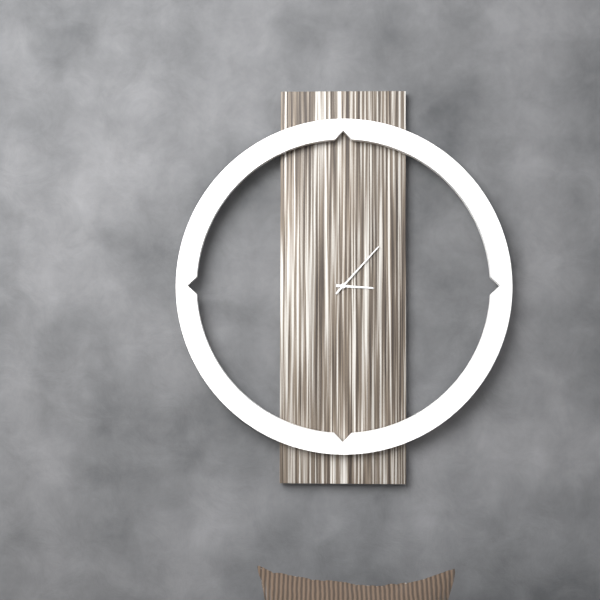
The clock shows **3:07**
